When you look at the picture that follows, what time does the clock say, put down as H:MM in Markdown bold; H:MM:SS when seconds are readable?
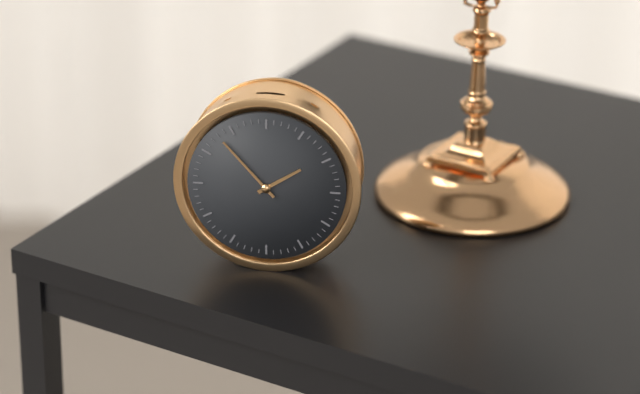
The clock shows **1:53**
